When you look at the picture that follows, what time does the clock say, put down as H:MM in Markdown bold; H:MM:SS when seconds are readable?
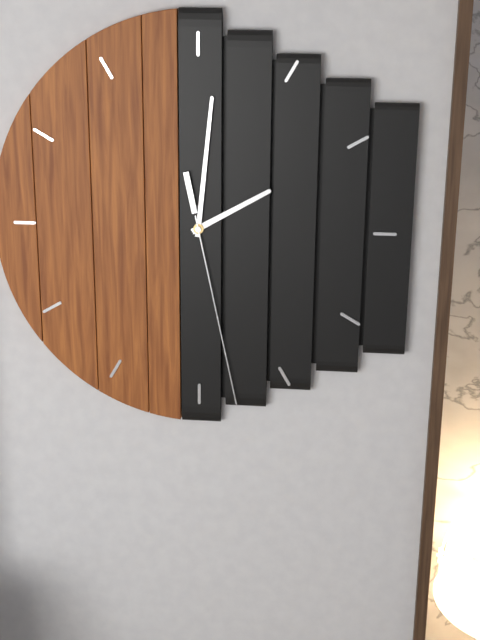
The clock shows **2:01:28**
